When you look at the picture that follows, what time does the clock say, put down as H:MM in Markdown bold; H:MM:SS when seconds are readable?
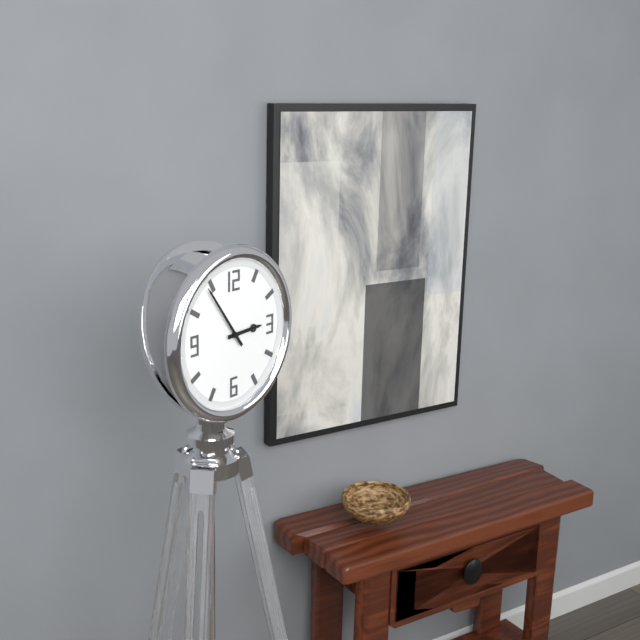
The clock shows **2:54**
